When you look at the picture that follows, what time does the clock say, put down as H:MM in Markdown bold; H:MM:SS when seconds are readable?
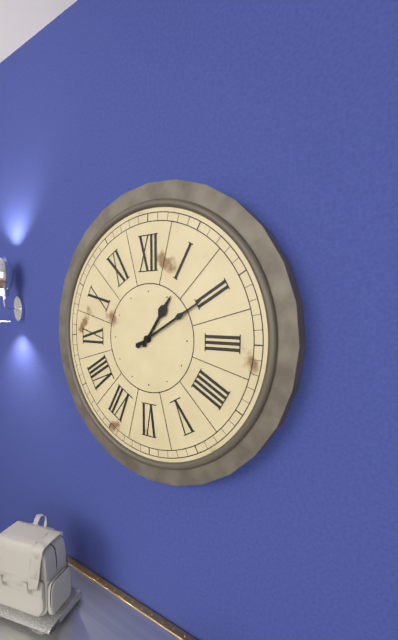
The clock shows **1:10**
